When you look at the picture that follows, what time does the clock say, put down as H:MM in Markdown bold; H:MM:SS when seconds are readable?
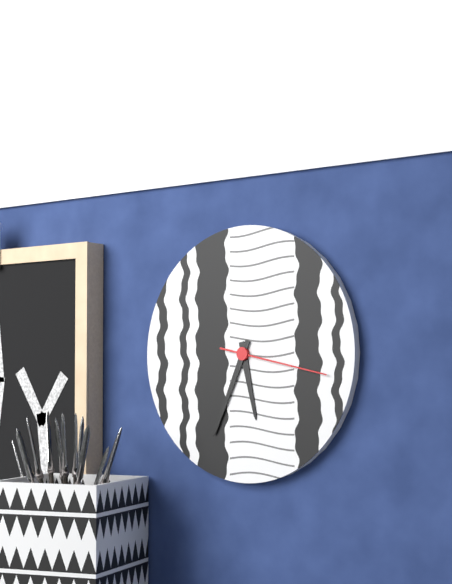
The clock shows **5:34:17**
